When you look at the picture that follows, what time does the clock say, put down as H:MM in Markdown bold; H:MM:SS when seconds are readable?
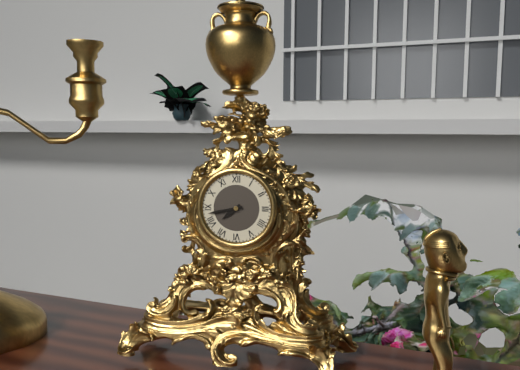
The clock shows **7:43**
